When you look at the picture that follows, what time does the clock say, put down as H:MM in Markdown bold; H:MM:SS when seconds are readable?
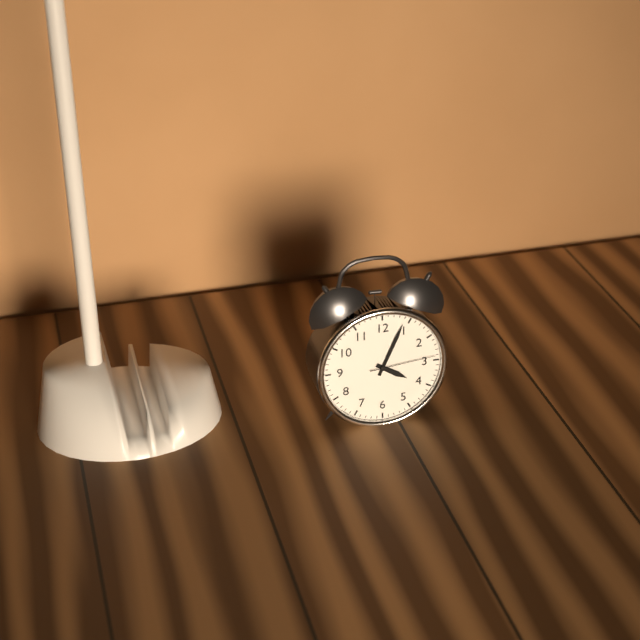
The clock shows **4:04:14**
